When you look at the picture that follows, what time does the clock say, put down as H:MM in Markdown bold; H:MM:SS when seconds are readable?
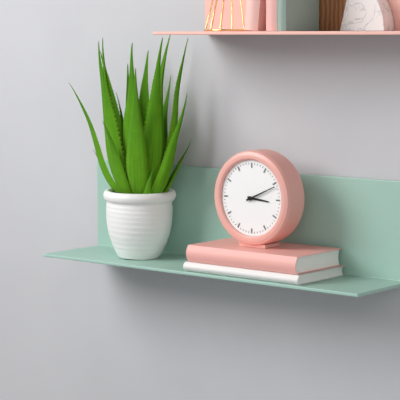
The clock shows **3:11**
